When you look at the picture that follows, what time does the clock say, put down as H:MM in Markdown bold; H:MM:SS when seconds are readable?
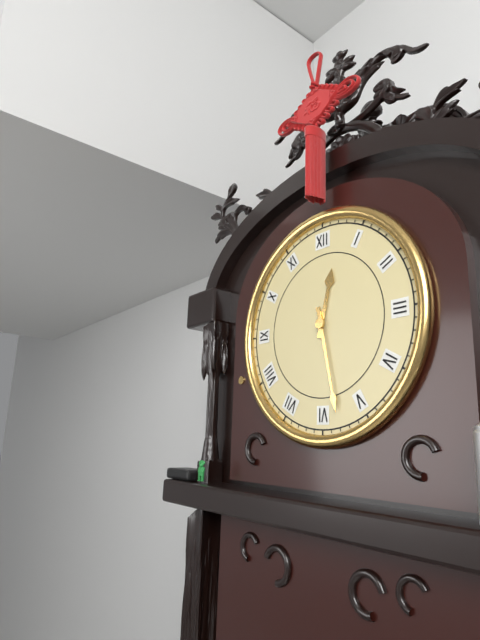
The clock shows **12:28**
